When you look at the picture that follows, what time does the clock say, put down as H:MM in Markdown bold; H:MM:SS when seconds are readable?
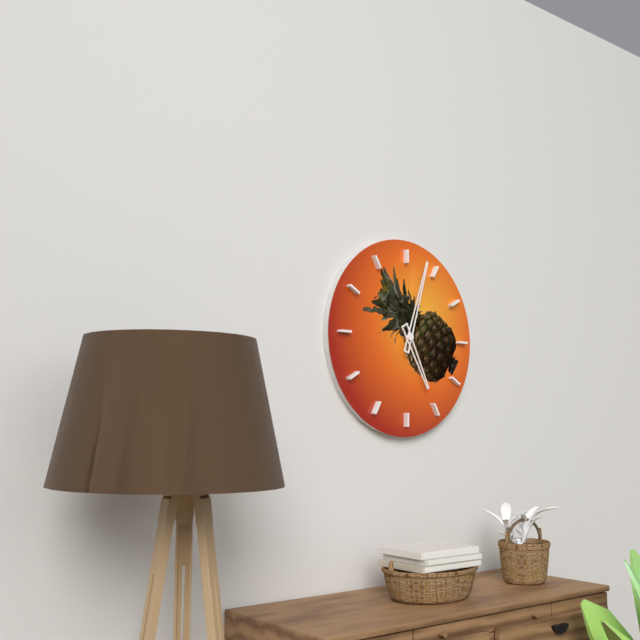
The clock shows **5:03**
